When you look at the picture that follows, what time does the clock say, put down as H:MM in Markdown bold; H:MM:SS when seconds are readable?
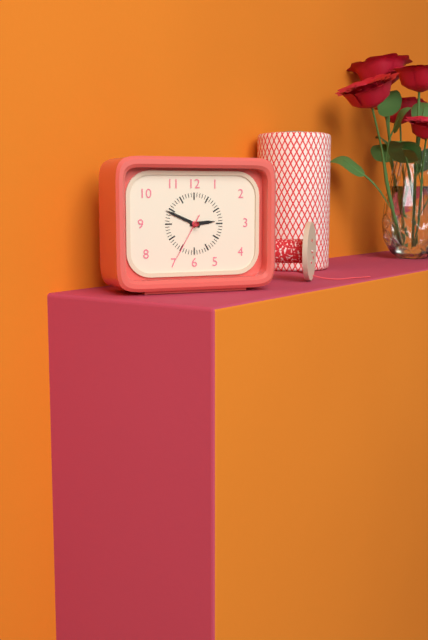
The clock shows **2:49**
